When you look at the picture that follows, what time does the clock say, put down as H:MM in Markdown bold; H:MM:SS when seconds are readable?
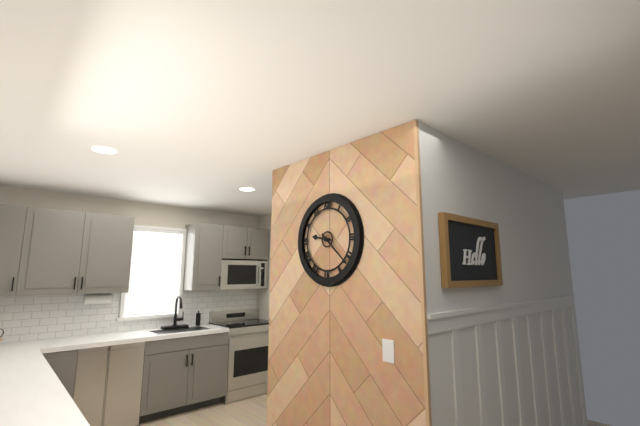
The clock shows **9:22**
